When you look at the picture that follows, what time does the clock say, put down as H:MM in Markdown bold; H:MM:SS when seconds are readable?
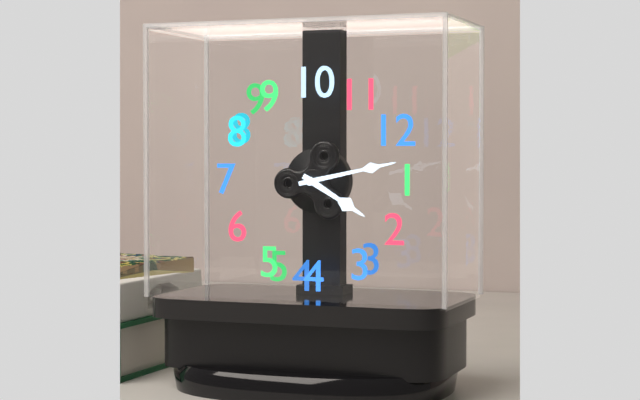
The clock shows **2:03**
